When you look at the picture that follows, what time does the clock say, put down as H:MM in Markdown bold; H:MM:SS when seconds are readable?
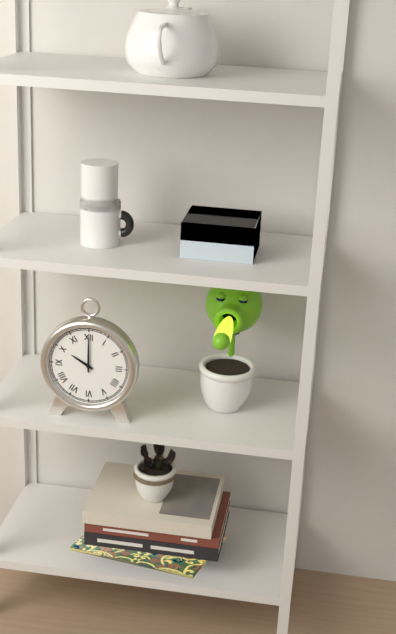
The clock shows **10:00**
